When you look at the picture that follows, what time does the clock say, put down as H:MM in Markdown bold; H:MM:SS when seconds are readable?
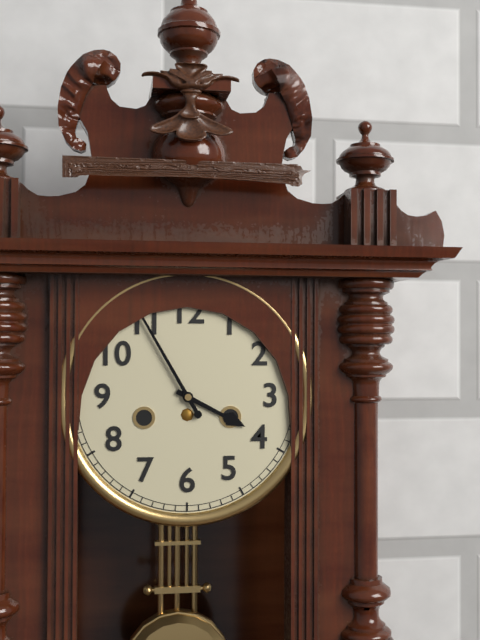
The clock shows **3:55**
